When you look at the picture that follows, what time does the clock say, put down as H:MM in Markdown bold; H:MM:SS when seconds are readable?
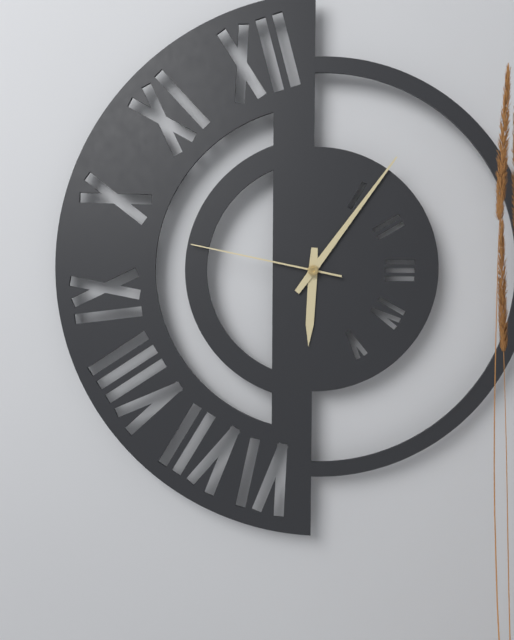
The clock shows **6:06:47**
